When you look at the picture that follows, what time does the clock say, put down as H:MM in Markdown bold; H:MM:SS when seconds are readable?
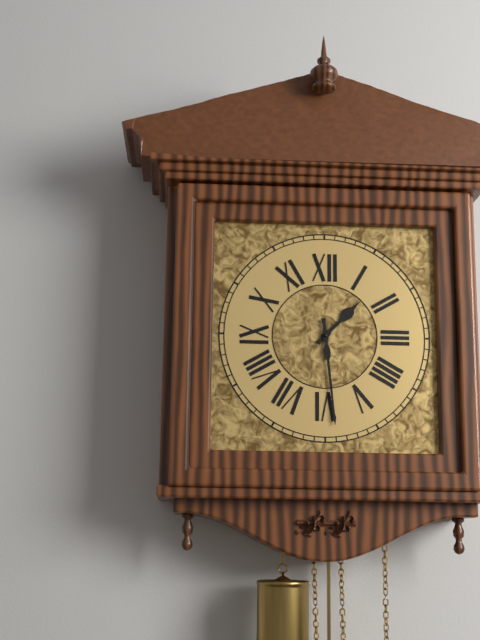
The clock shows **1:29**
